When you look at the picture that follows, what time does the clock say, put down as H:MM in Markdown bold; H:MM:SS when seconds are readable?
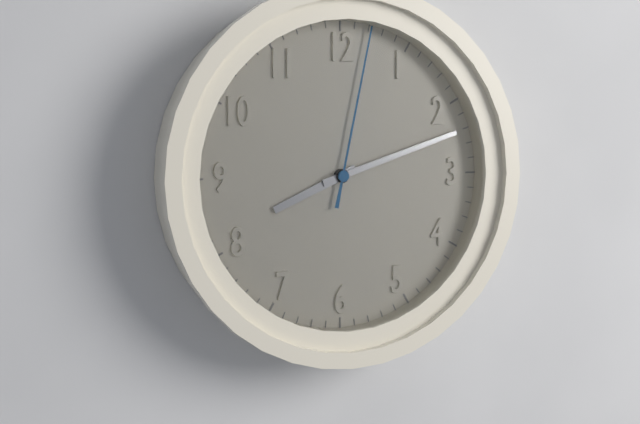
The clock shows **8:12:02**
